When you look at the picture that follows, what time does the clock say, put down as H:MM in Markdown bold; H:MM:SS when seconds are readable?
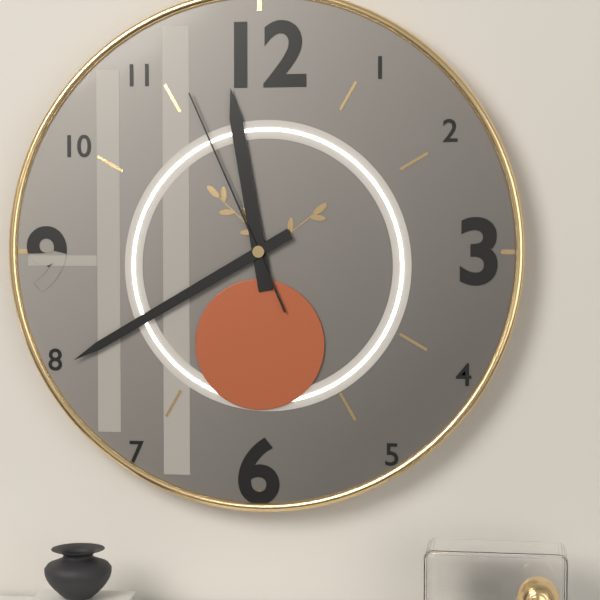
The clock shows **11:40:56**
